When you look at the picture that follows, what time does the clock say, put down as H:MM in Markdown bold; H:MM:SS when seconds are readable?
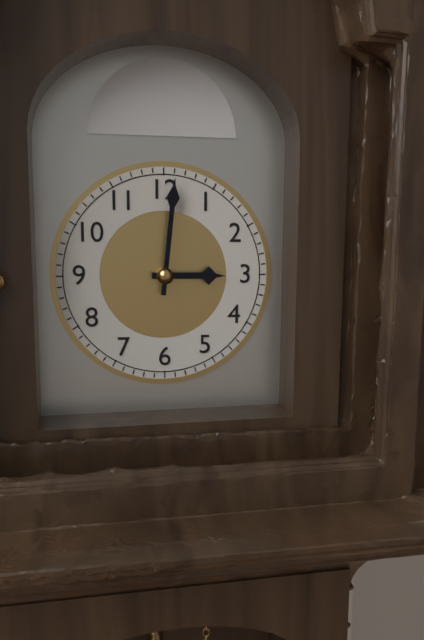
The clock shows **3:01**
